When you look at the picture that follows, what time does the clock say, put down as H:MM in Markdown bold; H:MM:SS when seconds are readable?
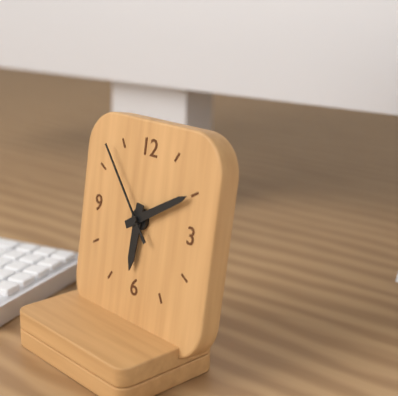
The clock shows **6:10:53**
